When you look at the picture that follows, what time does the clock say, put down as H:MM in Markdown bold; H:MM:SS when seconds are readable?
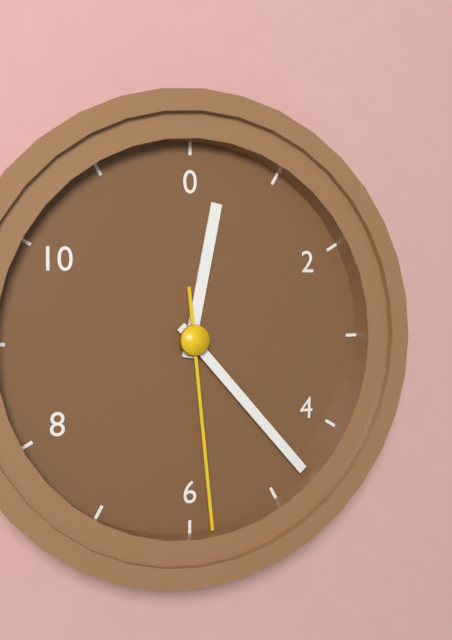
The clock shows **12:23:29**
